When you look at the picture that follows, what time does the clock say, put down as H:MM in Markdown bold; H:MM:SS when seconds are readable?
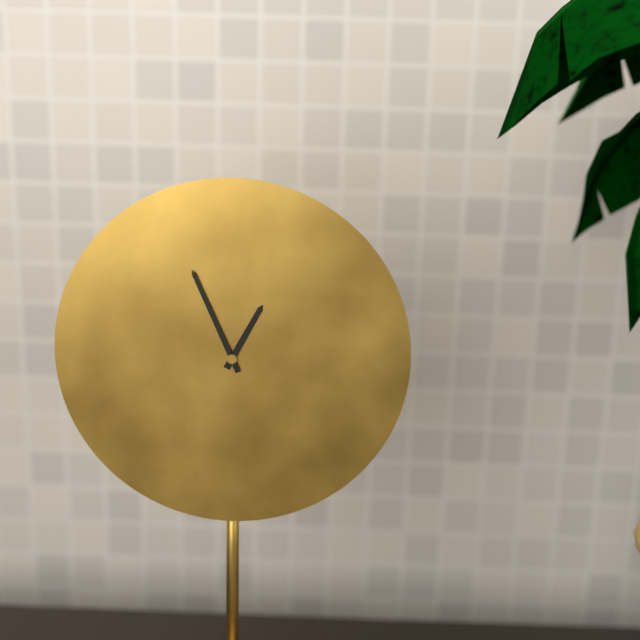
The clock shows **12:56**
